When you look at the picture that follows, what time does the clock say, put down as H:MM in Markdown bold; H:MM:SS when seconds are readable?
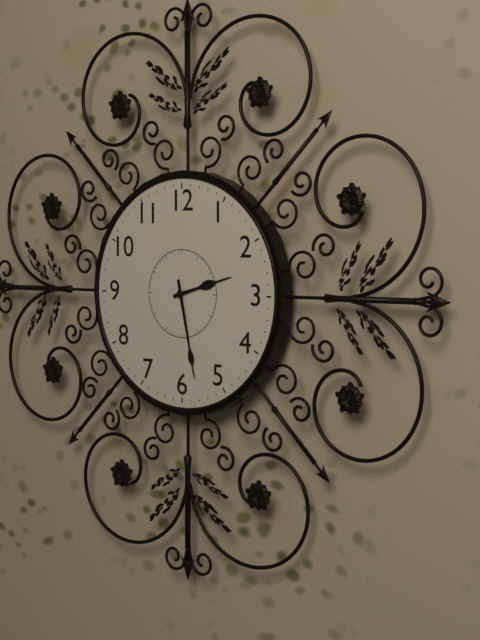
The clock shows **2:28**
